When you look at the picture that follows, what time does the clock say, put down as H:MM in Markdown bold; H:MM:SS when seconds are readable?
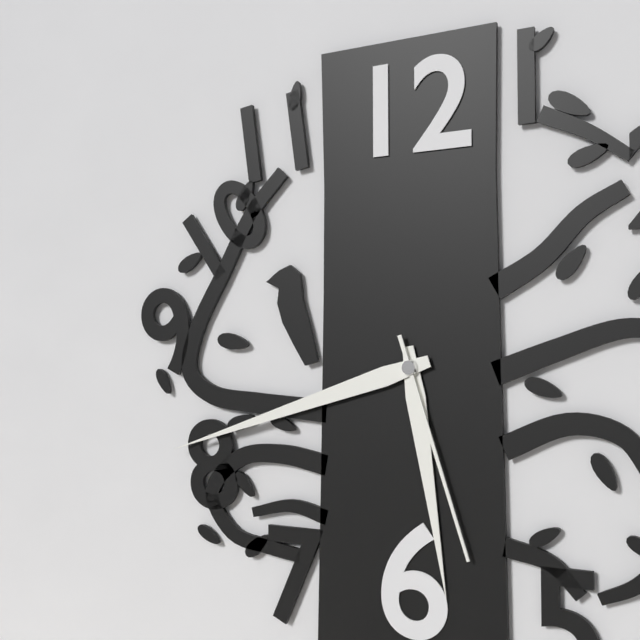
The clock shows **5:42:27**
